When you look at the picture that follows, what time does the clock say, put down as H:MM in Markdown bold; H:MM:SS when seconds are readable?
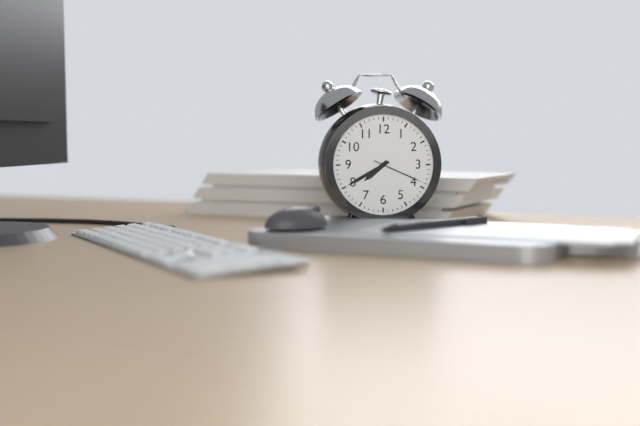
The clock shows **7:40:19**
